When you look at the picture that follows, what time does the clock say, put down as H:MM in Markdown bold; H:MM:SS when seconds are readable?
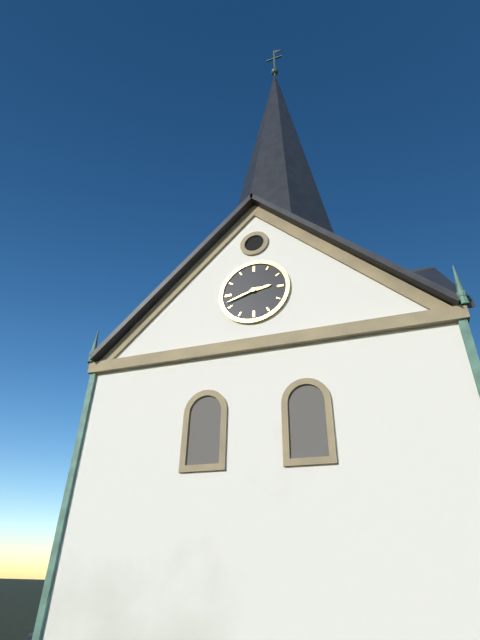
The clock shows **2:42**
